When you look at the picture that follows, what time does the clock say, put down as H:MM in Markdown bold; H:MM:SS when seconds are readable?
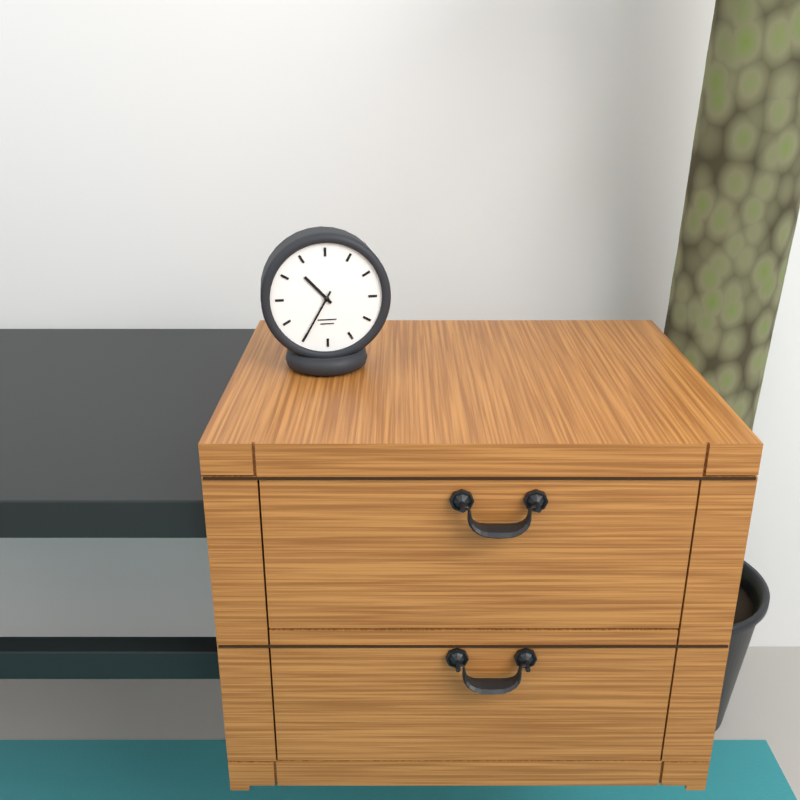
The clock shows **10:35**
